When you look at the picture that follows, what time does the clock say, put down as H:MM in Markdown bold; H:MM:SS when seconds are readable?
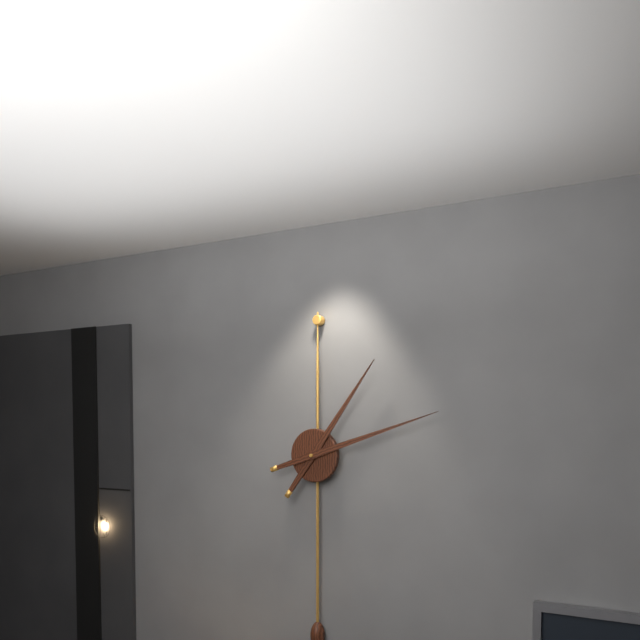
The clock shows **1:12**
